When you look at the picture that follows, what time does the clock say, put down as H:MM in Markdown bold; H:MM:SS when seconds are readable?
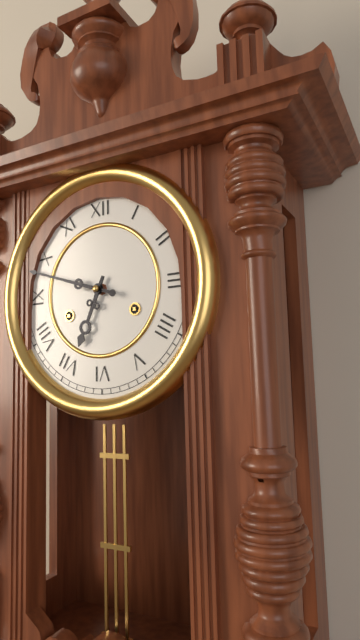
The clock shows **6:48**
